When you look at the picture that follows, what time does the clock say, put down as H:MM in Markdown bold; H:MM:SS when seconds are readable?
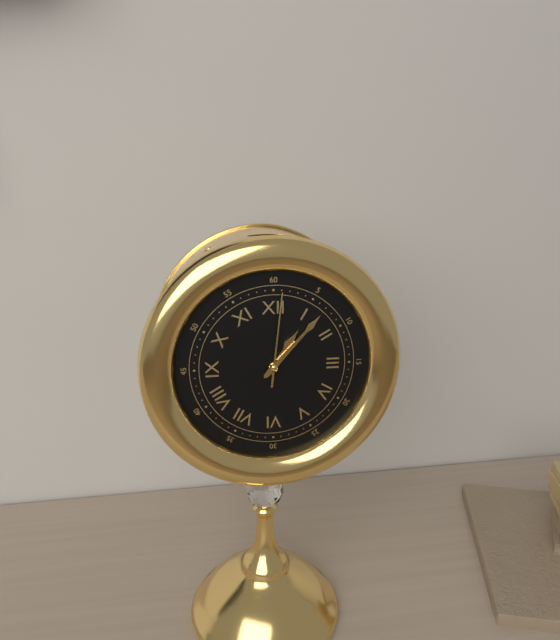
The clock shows **1:07:01**
